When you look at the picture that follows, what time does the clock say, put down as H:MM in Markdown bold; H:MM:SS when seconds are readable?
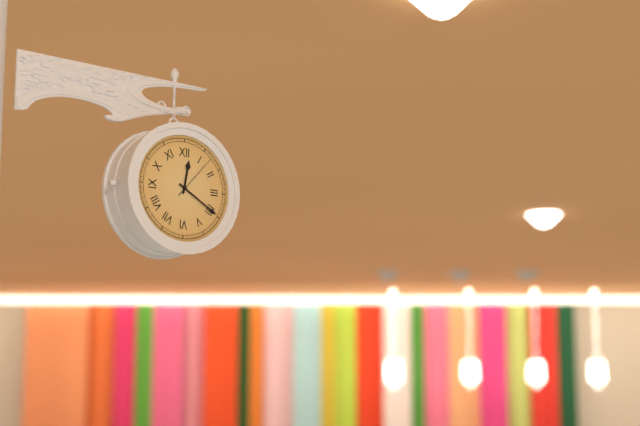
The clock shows **12:20**
